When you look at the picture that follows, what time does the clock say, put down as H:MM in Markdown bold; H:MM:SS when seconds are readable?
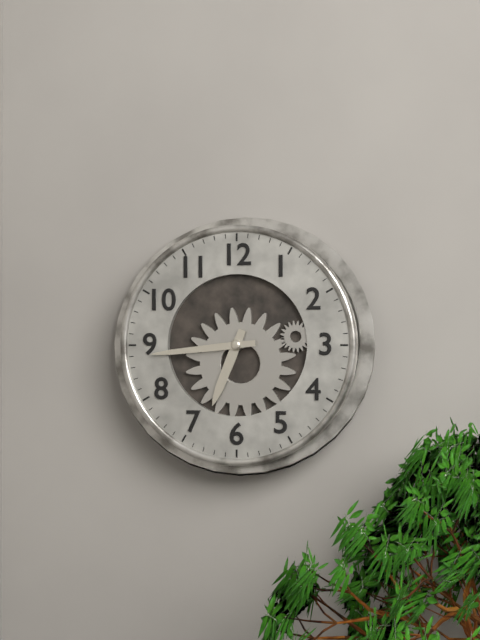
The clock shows **6:44**
